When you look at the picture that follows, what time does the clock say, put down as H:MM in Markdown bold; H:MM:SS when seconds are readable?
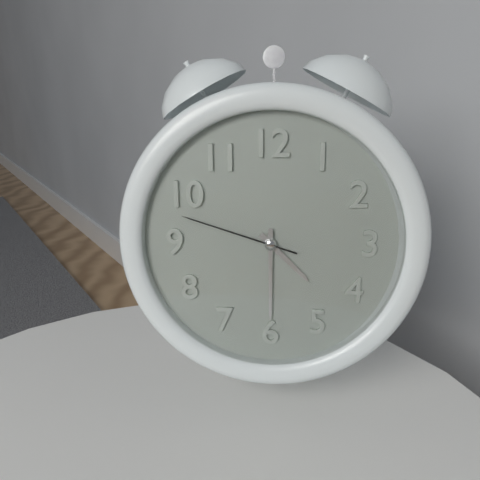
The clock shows **4:30:48**
